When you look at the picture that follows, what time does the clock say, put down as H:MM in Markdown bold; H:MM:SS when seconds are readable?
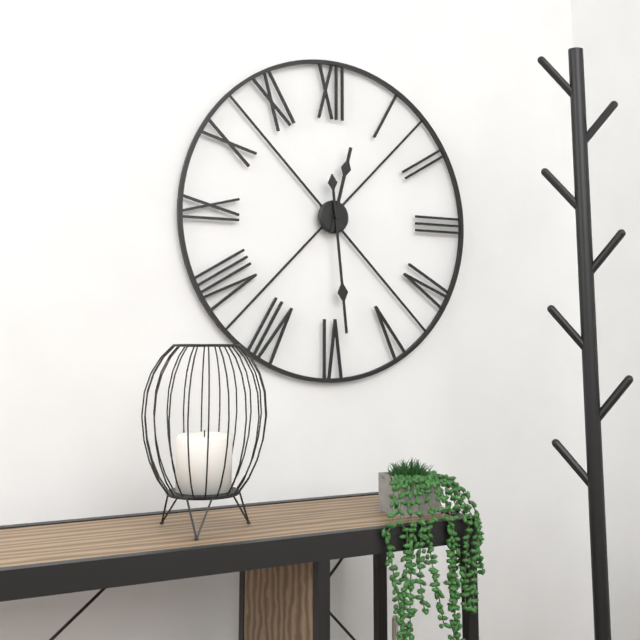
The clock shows **12:29**
